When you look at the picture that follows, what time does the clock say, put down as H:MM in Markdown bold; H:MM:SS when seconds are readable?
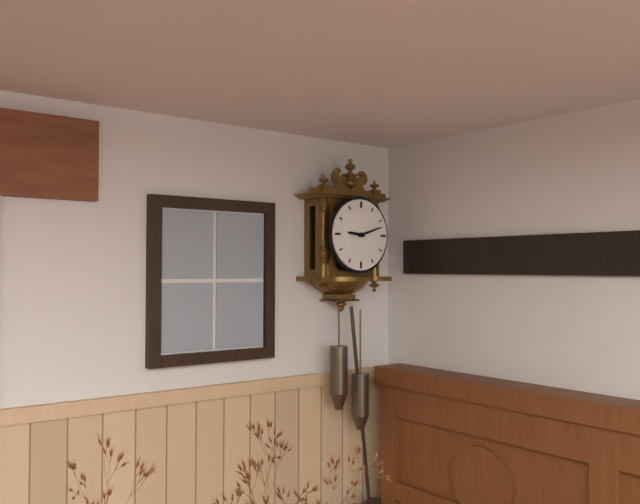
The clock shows **9:12**
